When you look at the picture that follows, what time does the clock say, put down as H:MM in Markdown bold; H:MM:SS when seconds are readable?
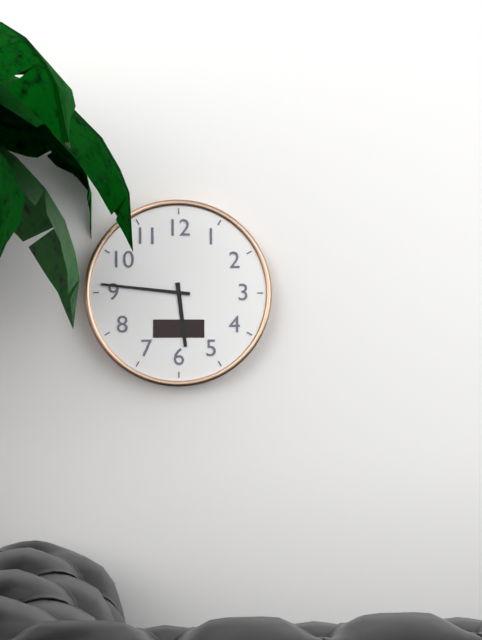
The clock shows **5:46**
